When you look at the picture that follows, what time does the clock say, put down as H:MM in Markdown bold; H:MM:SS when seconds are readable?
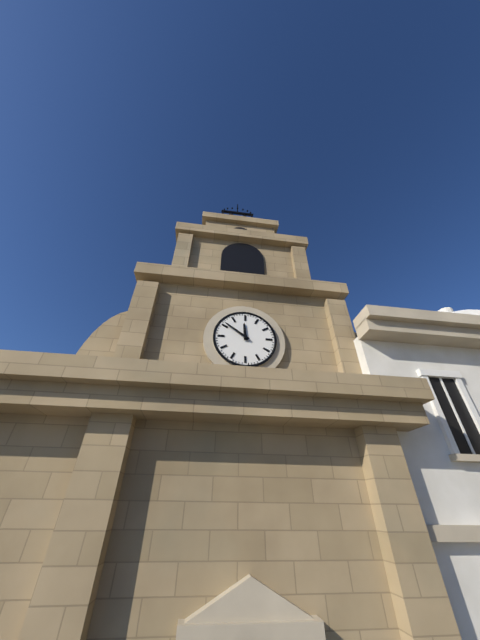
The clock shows **11:51**
